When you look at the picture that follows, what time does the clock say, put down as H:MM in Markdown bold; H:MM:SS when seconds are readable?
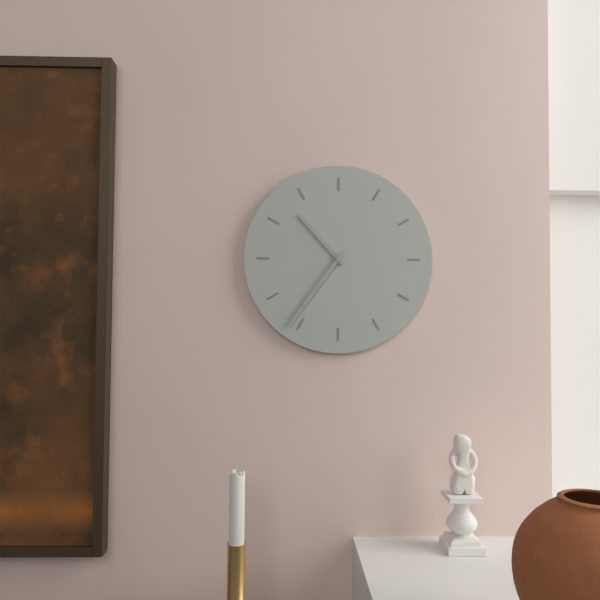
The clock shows **10:36**
